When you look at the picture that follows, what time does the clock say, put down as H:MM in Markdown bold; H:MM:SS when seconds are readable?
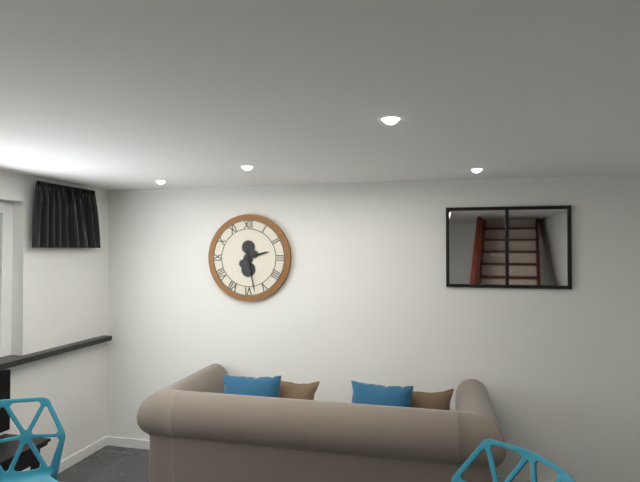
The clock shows **2:28**
